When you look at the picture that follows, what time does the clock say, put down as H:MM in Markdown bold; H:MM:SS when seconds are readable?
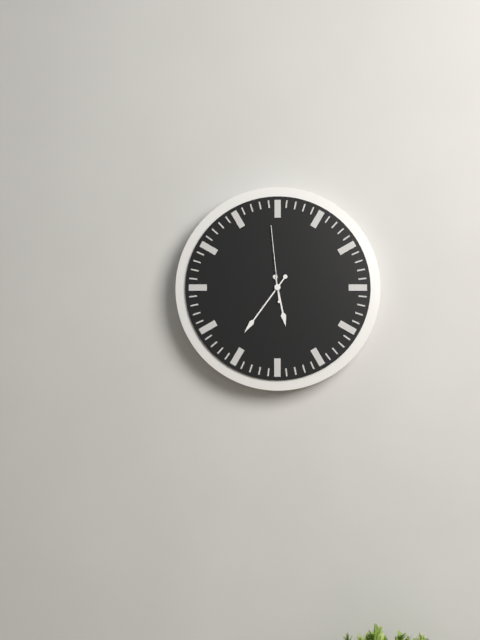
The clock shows **5:36:59**
